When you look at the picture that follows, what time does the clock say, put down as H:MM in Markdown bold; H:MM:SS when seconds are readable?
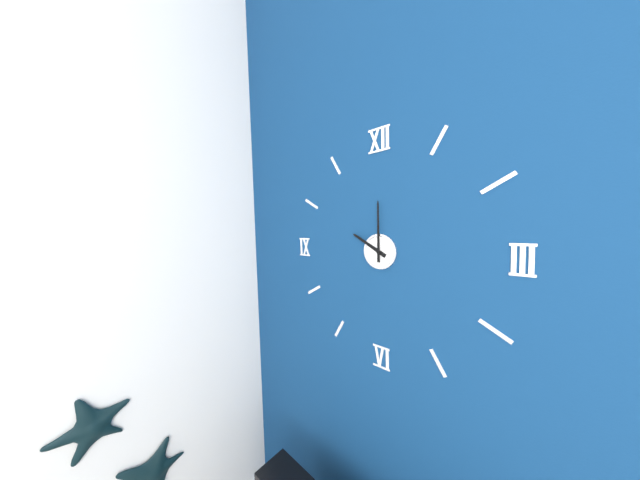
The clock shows **10:00**
